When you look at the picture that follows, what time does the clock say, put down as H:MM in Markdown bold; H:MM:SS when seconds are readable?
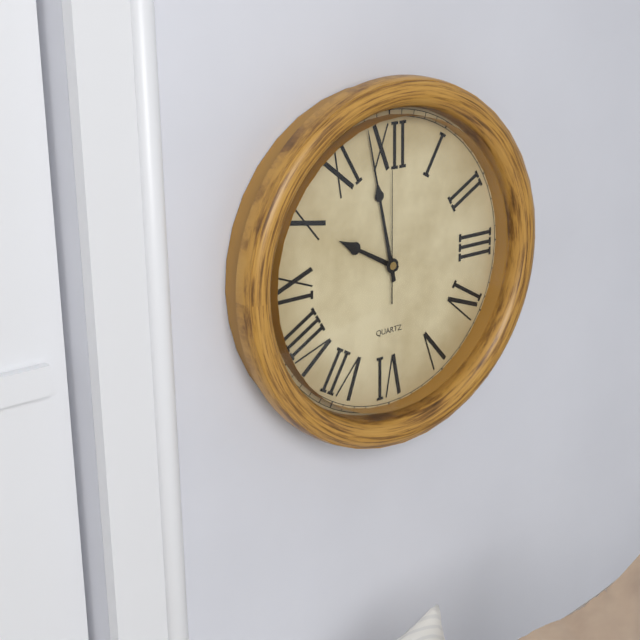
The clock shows **9:58:00**
